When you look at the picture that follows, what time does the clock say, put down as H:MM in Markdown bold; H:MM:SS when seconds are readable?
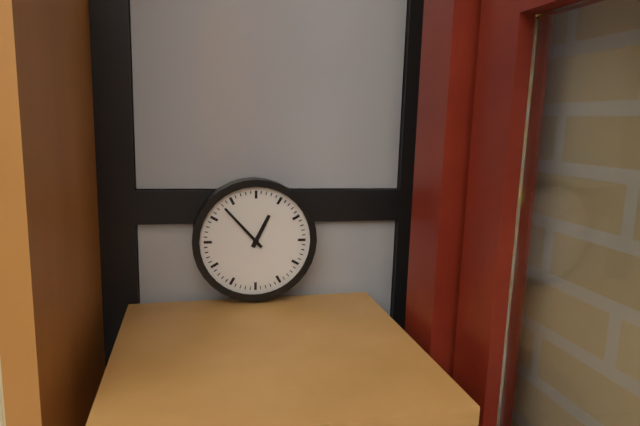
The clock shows **12:53**
